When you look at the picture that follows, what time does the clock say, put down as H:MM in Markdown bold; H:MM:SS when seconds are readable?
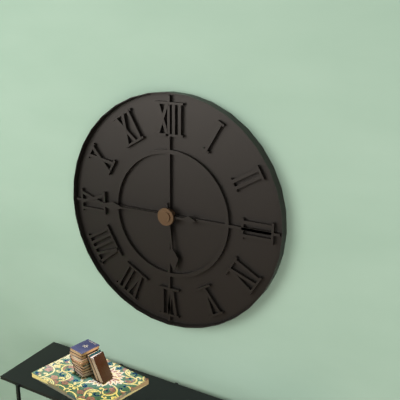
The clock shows **5:45**
